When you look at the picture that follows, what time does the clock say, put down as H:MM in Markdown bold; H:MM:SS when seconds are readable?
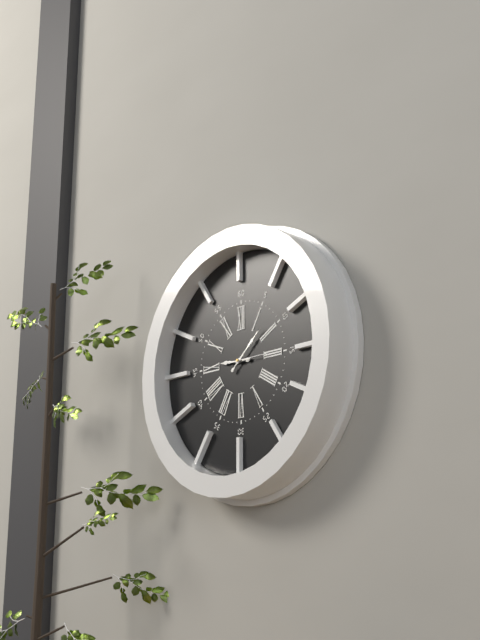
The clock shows **9:08**
